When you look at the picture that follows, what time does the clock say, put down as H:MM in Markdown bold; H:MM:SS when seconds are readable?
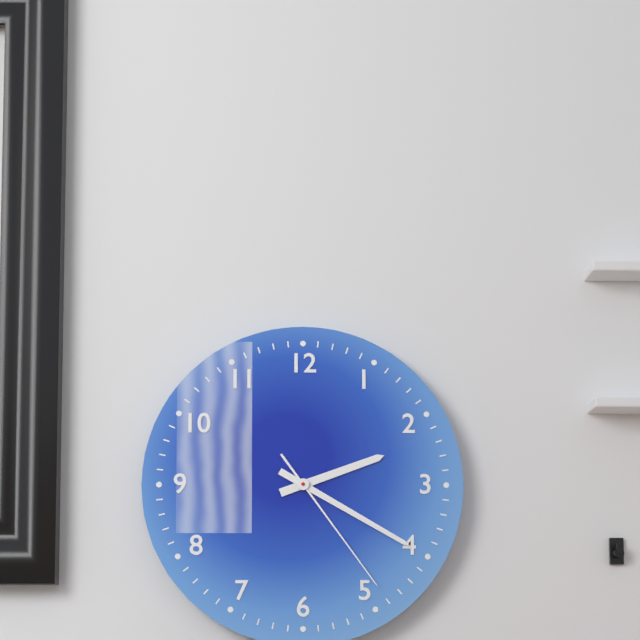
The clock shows **2:20:24**
